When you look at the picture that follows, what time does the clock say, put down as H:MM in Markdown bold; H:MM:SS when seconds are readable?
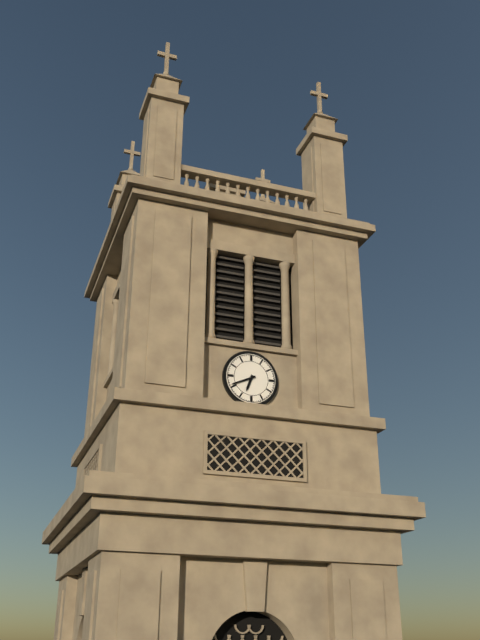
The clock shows **6:41**
